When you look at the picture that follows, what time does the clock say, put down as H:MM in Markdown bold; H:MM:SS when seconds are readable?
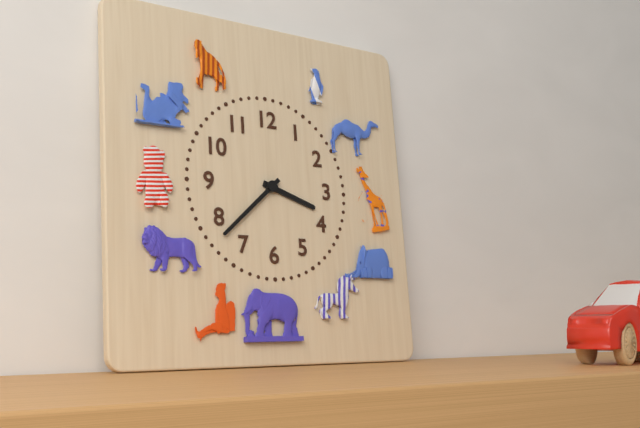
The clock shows **3:38**
